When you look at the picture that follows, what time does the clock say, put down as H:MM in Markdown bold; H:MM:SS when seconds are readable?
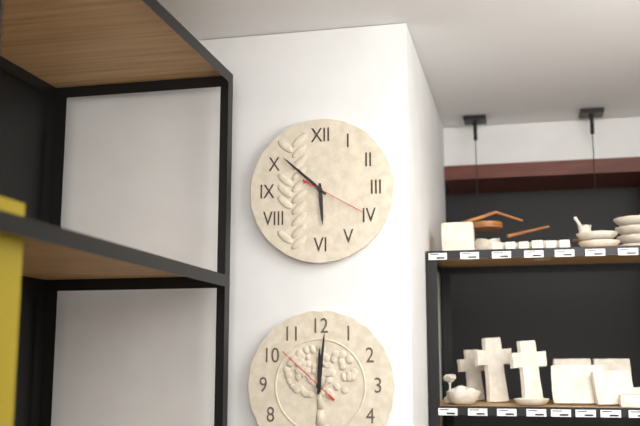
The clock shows **5:52:20**
